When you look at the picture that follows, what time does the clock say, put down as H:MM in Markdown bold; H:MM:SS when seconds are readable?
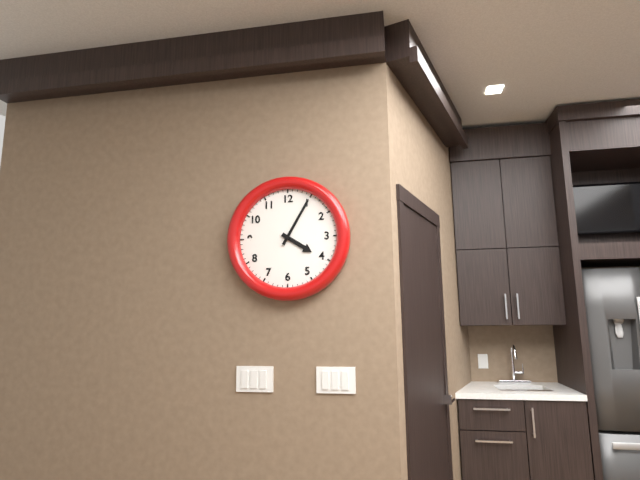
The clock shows **4:05**
